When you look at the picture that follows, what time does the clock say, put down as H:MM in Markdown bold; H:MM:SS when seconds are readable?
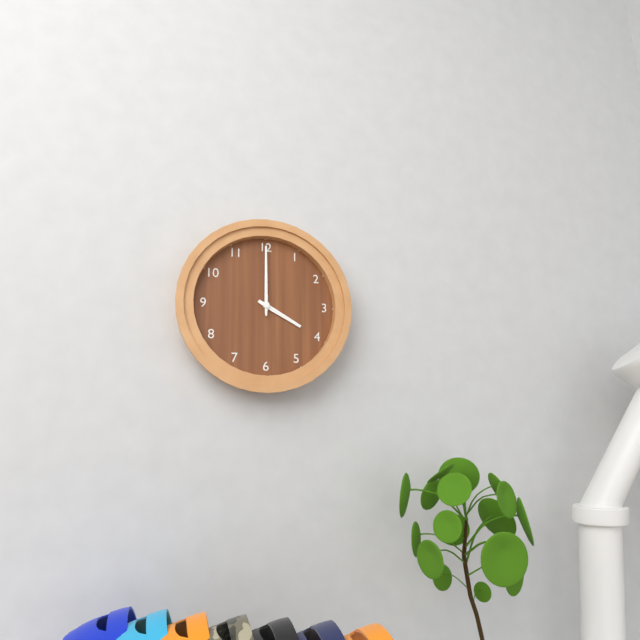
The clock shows **4:00**
